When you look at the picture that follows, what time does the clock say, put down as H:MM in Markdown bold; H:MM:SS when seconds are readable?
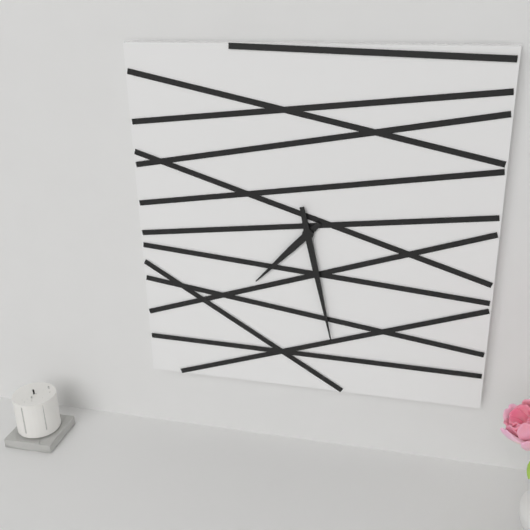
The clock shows **7:28**
